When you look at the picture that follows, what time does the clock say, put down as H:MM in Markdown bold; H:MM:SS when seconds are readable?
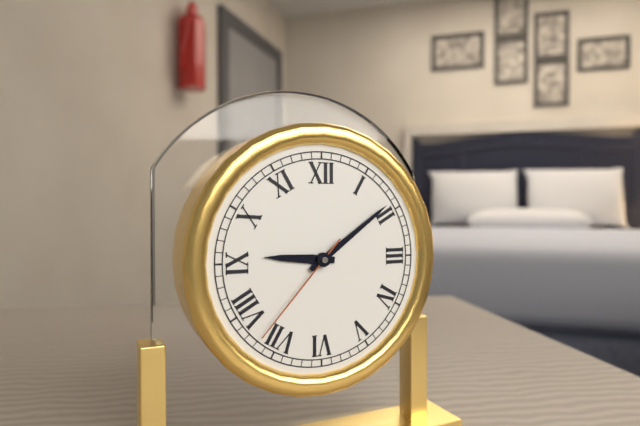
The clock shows **9:09:37**
